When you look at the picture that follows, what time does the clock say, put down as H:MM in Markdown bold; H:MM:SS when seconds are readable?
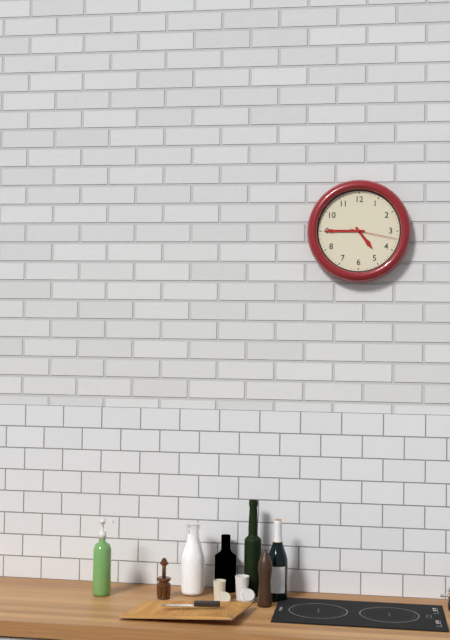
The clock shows **4:45**
